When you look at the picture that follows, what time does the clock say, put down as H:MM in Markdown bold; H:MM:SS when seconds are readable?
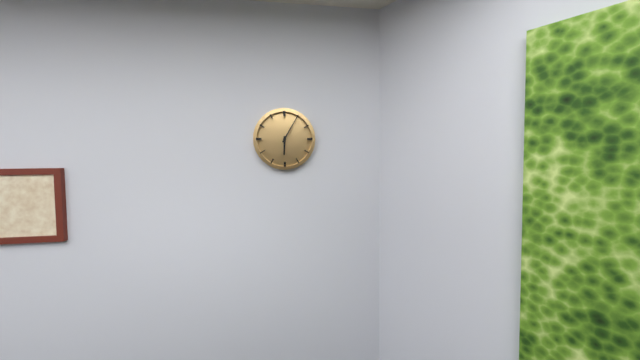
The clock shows **6:05**
